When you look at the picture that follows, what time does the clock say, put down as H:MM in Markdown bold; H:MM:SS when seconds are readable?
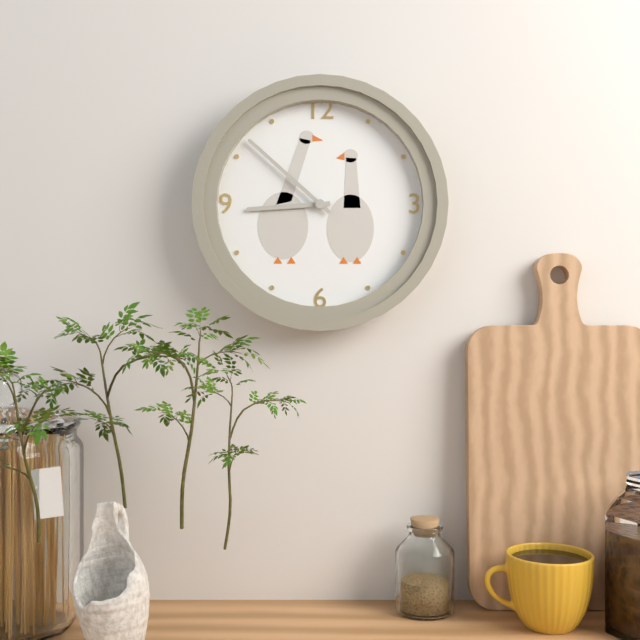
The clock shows **8:52**
